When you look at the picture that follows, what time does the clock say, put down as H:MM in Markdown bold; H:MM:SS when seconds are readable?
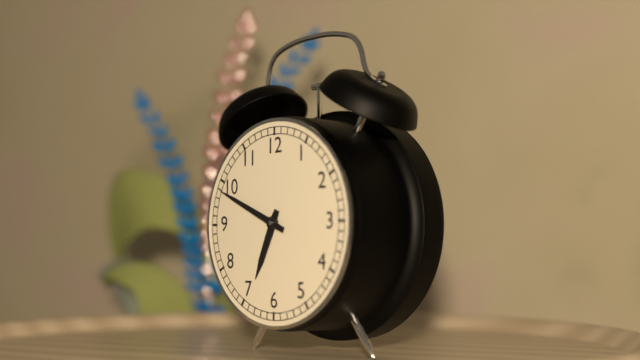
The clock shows **6:49**
